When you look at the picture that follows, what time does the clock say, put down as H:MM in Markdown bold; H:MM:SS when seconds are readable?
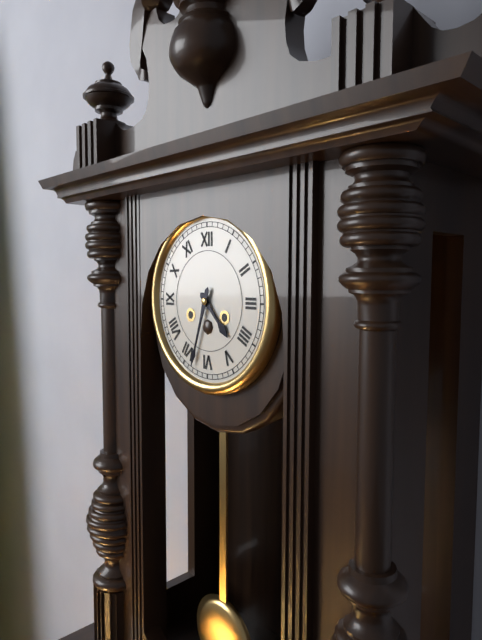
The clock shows **4:33**
